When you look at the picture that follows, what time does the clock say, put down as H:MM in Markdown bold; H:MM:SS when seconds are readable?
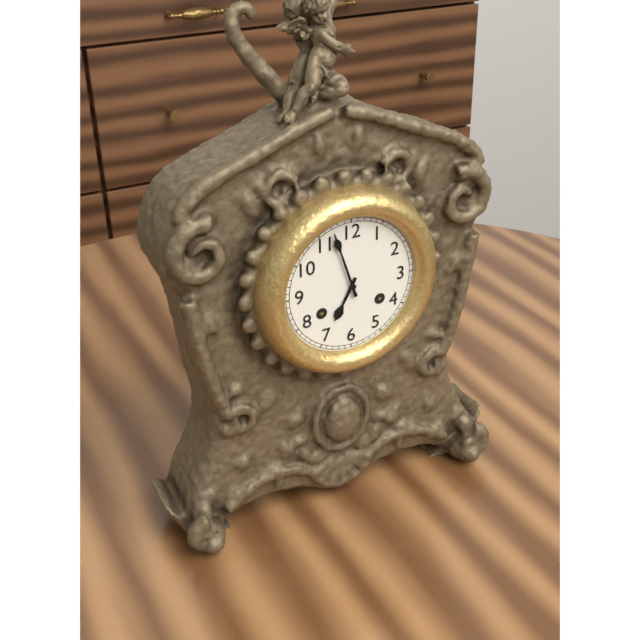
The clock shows **6:57**
